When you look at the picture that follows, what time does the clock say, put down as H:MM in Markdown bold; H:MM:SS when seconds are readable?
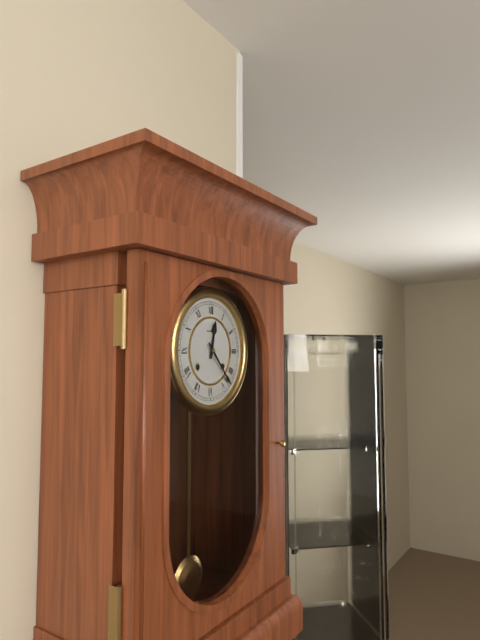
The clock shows **12:23**
